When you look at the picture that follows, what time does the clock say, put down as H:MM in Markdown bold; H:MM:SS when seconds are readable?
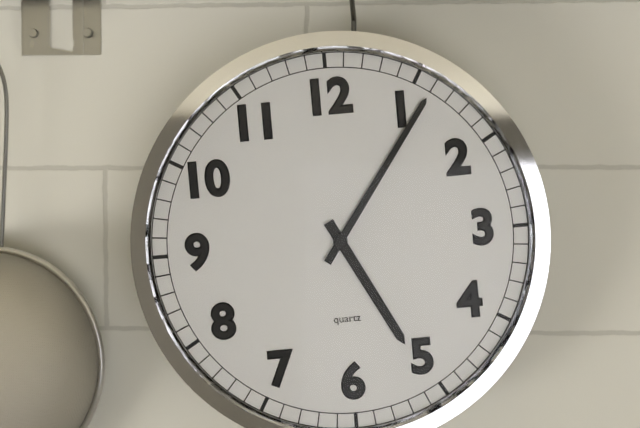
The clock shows **5:06**
